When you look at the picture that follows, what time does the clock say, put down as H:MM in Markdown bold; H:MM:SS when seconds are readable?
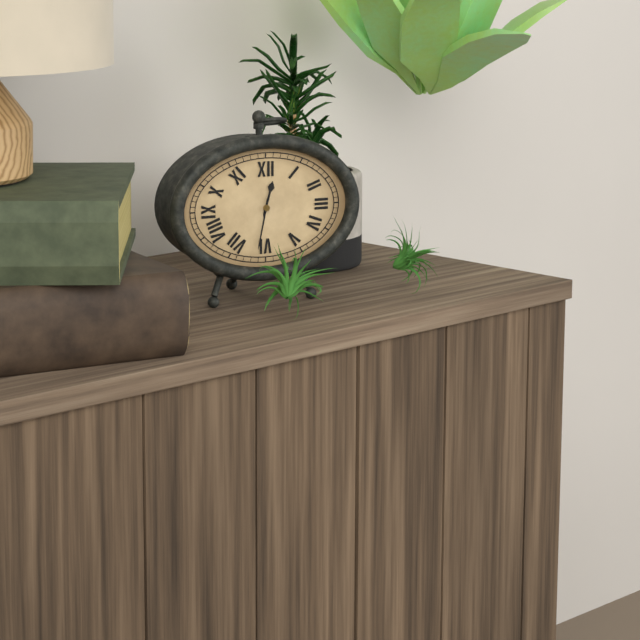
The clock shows **12:32**
